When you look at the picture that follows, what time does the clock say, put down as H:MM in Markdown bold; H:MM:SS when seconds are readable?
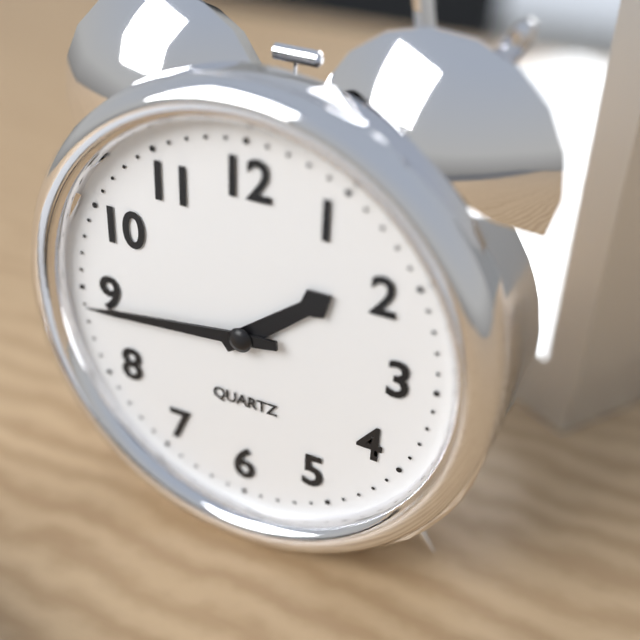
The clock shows **1:44**
